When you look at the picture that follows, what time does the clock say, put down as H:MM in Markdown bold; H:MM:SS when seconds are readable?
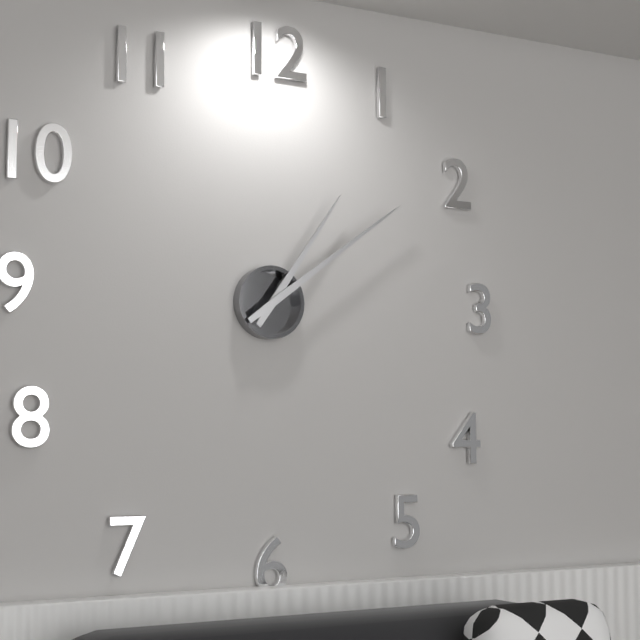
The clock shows **1:09**
